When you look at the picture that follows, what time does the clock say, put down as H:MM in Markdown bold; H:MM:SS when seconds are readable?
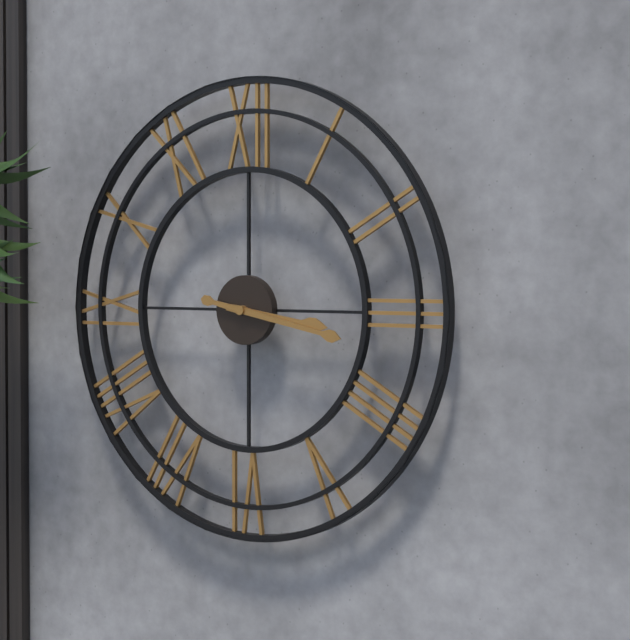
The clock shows **3:17**
